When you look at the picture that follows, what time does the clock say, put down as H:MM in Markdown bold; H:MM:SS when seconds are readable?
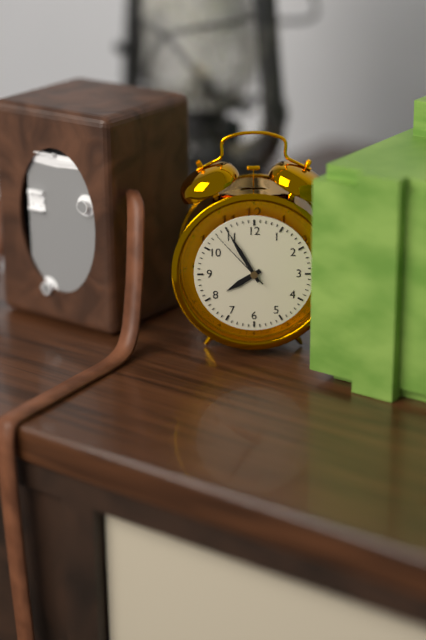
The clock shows **7:55:53**
